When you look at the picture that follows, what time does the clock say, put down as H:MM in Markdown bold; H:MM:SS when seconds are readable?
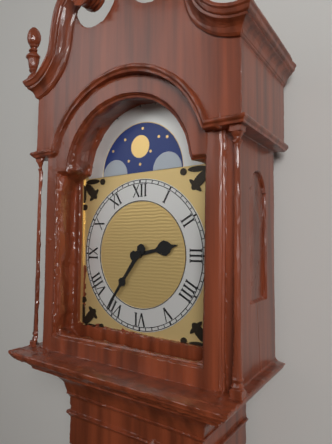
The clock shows **2:36**
